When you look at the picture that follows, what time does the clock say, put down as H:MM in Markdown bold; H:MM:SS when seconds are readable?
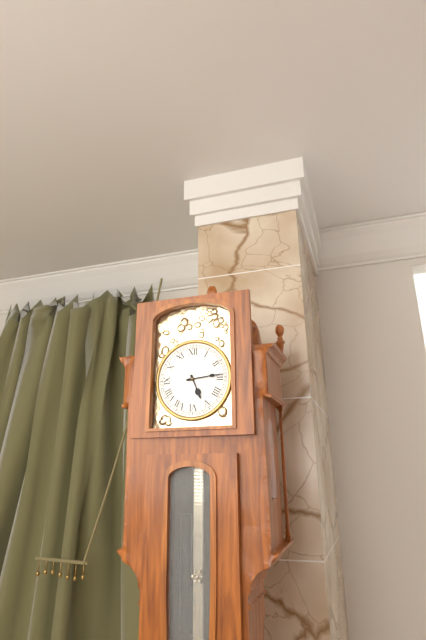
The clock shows **5:14**
